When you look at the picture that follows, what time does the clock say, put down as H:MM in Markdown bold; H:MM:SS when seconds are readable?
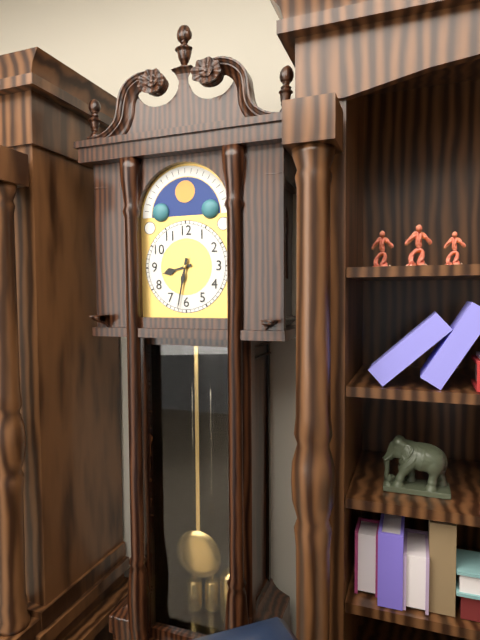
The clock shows **8:32**
